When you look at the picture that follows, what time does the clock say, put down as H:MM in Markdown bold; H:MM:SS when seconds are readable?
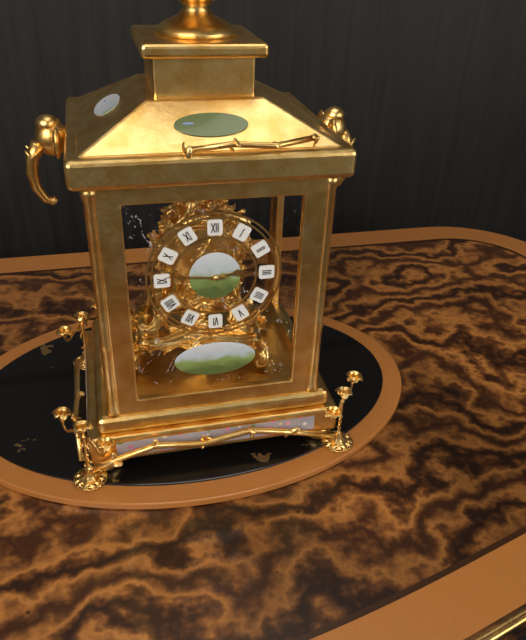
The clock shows **2:46**
